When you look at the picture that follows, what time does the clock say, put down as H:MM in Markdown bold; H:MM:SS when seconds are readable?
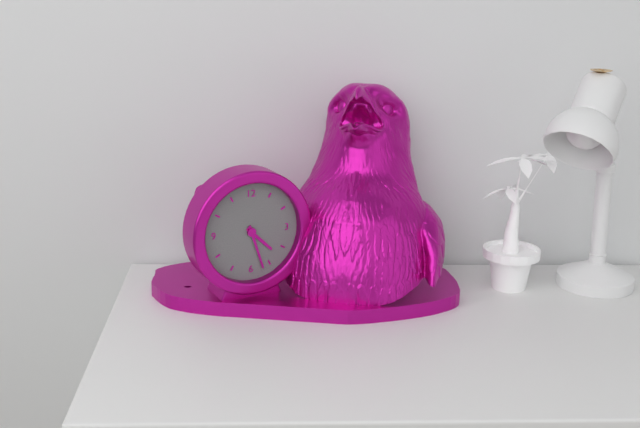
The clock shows **4:27**
